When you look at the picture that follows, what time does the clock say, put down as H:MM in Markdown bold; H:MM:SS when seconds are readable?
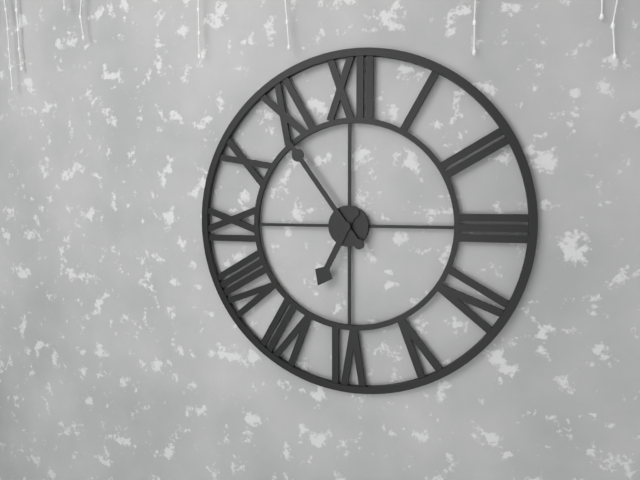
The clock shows **6:54**
